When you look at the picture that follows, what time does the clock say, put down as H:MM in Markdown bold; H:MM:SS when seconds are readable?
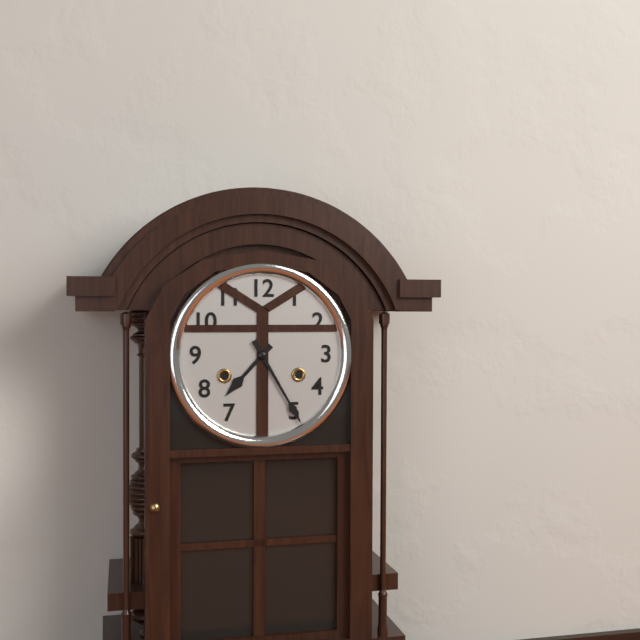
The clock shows **7:25**
